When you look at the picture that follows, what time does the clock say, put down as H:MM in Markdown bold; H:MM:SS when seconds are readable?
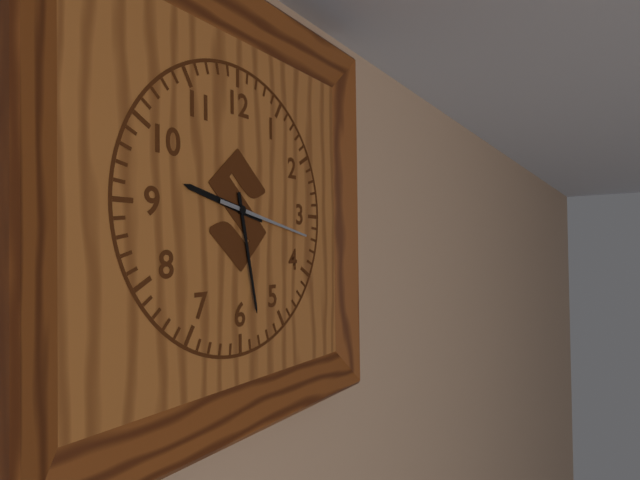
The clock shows **9:28:17**
